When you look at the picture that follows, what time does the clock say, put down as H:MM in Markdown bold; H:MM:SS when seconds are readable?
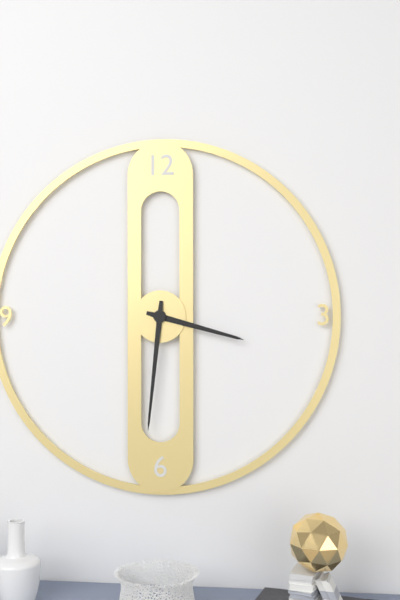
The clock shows **3:31**
